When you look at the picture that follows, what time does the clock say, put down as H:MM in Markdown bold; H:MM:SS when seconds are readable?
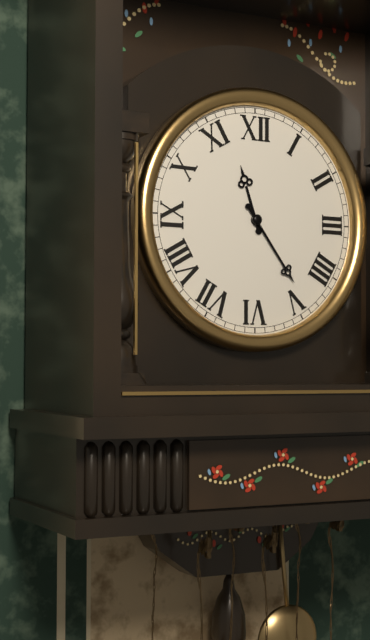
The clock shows **11:24**
